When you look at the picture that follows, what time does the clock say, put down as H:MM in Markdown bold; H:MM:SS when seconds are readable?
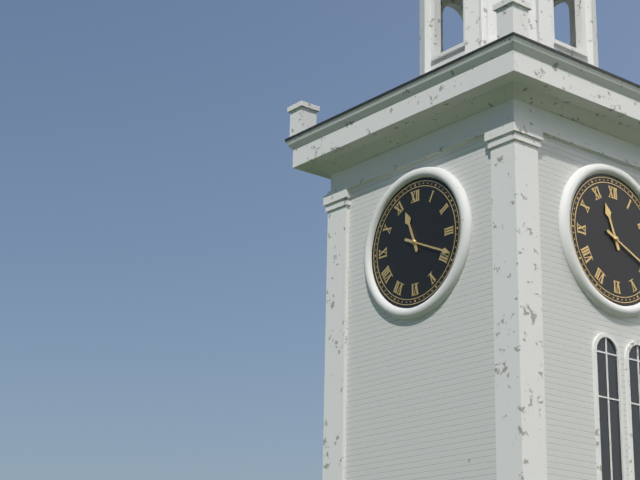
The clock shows **11:19**
